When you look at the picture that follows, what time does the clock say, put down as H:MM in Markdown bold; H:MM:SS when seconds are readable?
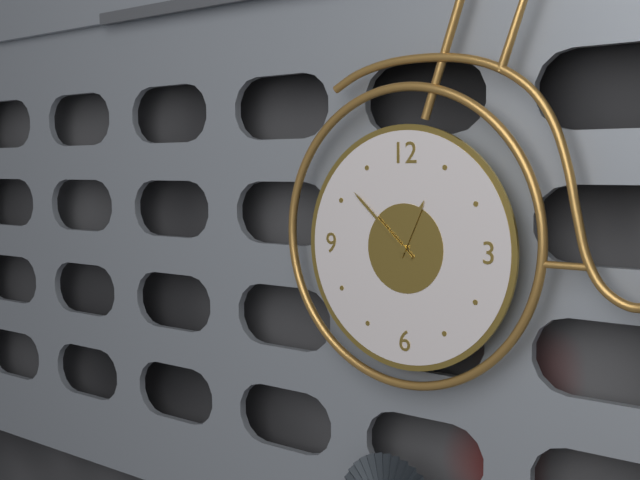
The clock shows **12:52**
